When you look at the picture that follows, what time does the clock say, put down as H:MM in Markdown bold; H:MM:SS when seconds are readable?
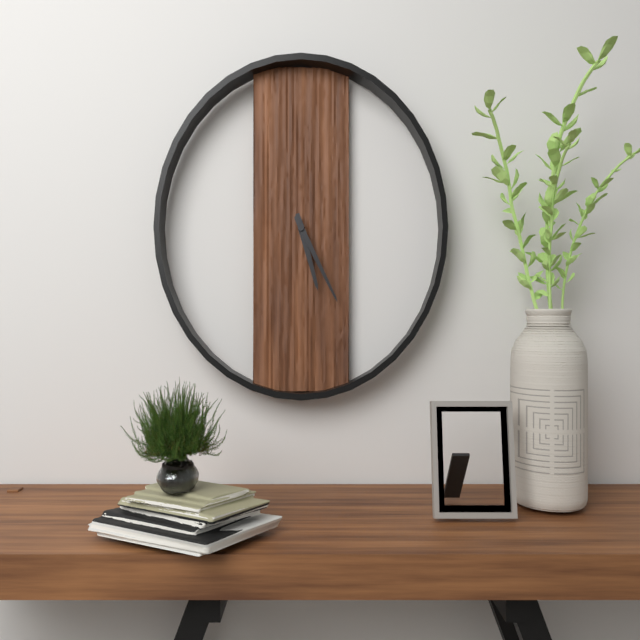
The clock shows **5:25**
